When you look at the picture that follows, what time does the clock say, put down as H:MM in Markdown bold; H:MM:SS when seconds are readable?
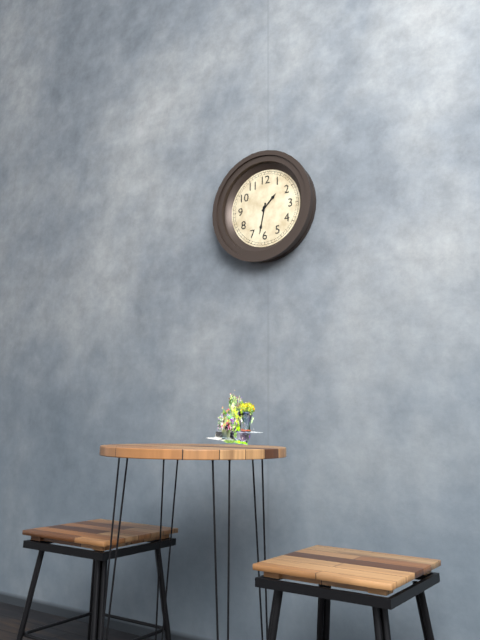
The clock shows **1:32**
